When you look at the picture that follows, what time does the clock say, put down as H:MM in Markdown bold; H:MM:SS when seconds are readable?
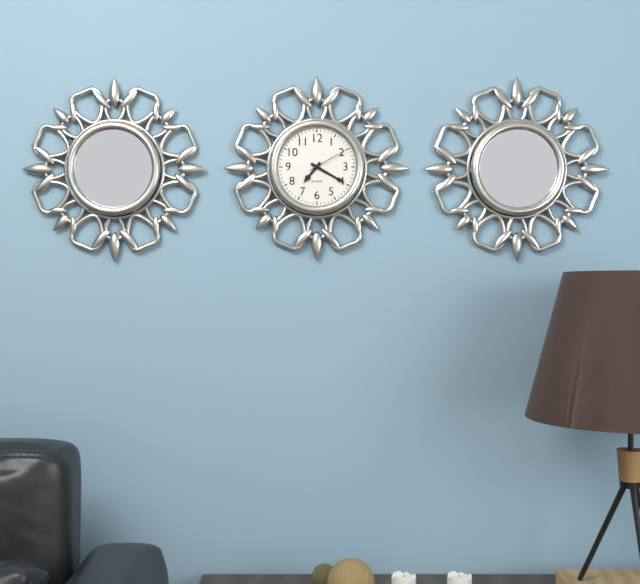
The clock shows **7:20**
